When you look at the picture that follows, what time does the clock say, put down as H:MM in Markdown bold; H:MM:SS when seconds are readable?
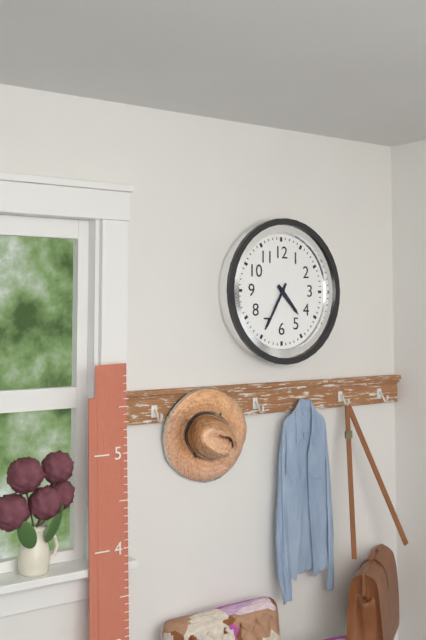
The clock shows **4:35**
